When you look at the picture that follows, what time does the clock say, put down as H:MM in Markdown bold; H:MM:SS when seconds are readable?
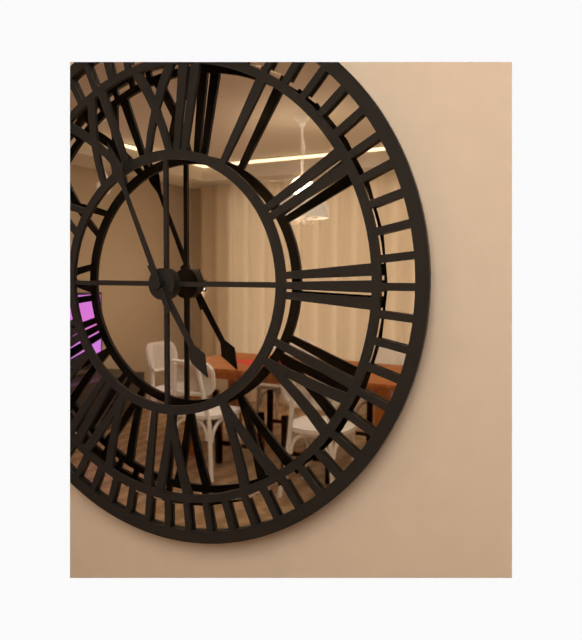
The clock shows **4:56**
